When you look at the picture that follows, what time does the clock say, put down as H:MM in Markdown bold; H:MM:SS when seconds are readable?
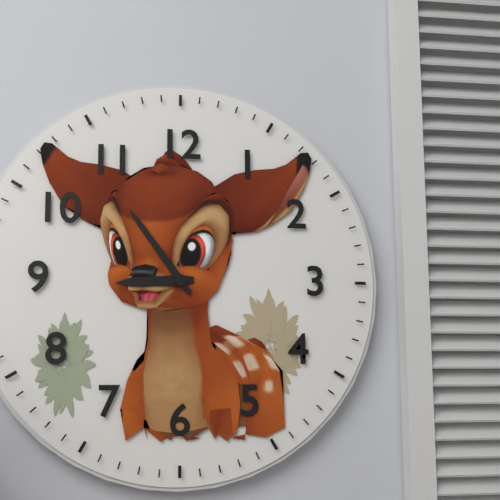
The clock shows **8:54**
